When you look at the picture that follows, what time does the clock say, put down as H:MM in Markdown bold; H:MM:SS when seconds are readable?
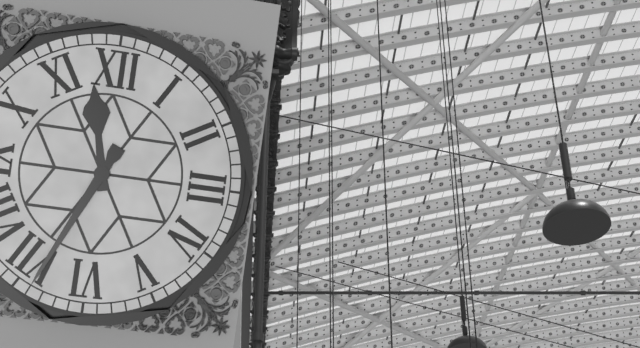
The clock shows **11:34**
